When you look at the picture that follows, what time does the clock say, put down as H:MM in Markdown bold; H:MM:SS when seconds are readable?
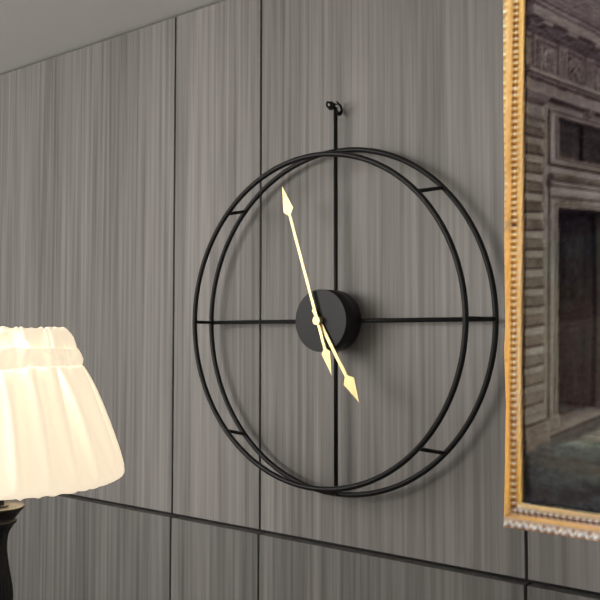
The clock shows **4:57**
